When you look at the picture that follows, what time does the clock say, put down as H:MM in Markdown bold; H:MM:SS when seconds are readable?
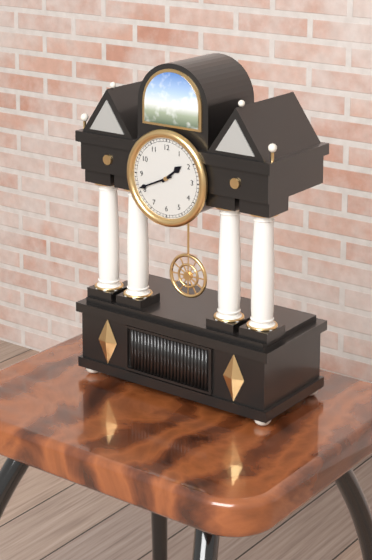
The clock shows **1:41**
